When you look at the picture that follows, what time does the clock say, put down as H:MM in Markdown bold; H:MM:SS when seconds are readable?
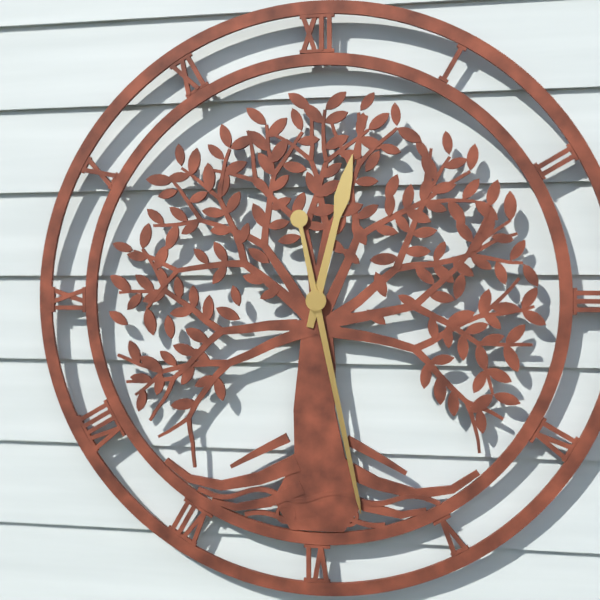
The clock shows **12:28**
